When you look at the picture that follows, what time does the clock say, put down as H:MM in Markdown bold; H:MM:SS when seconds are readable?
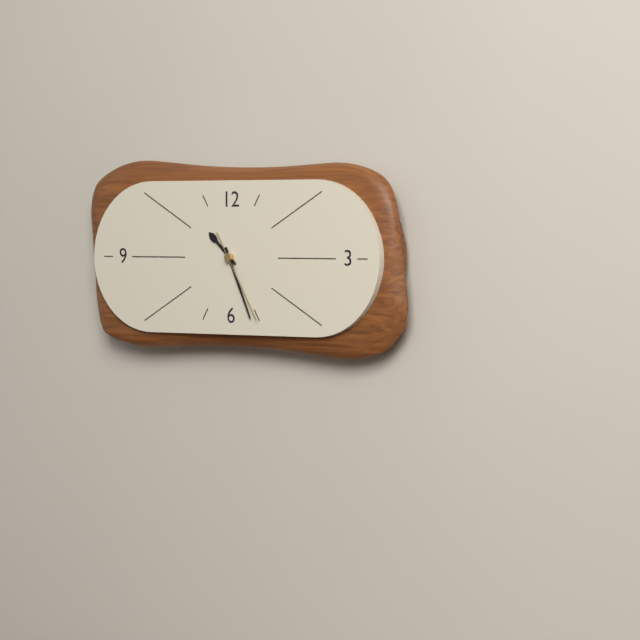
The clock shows **10:26:25**
